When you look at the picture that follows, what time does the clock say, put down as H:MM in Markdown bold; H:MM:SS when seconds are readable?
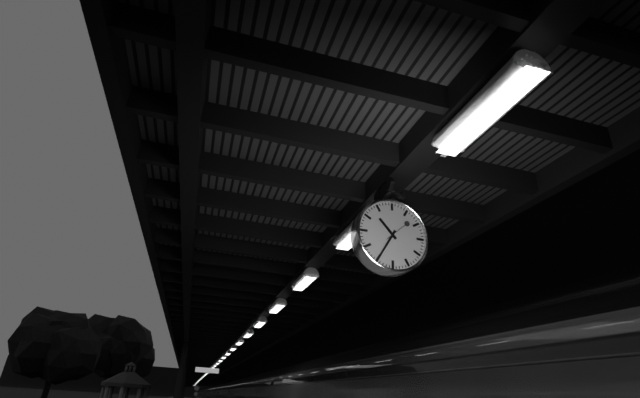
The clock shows **10:35**
